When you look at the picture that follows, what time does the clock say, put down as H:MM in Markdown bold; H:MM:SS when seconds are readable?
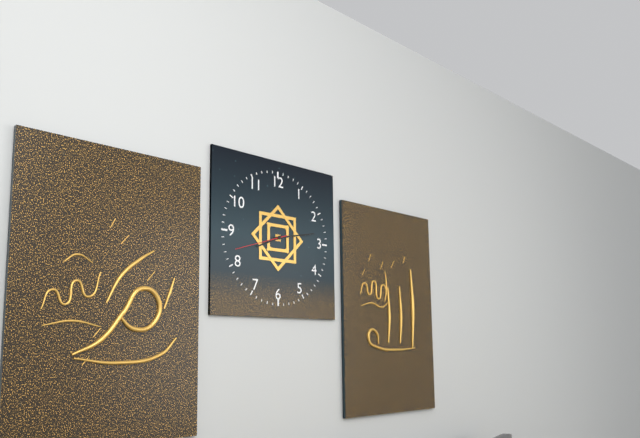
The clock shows **8:13:42**
